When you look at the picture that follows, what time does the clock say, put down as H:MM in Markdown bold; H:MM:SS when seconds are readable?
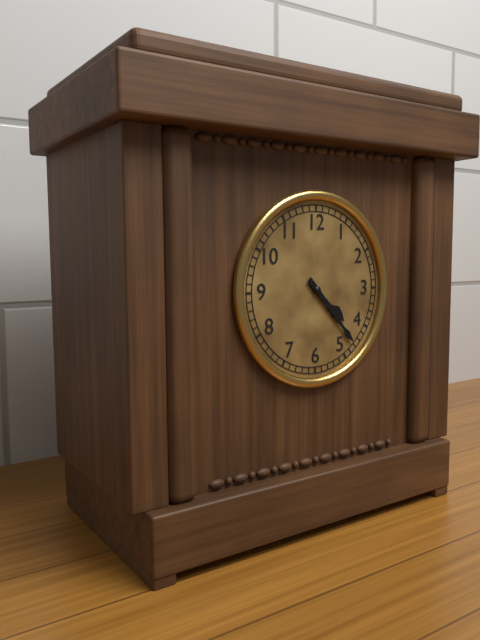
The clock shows **4:23**
